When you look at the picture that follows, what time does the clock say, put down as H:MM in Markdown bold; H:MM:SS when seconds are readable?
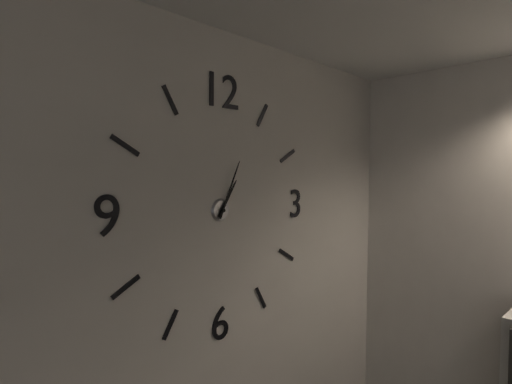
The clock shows **1:04**
